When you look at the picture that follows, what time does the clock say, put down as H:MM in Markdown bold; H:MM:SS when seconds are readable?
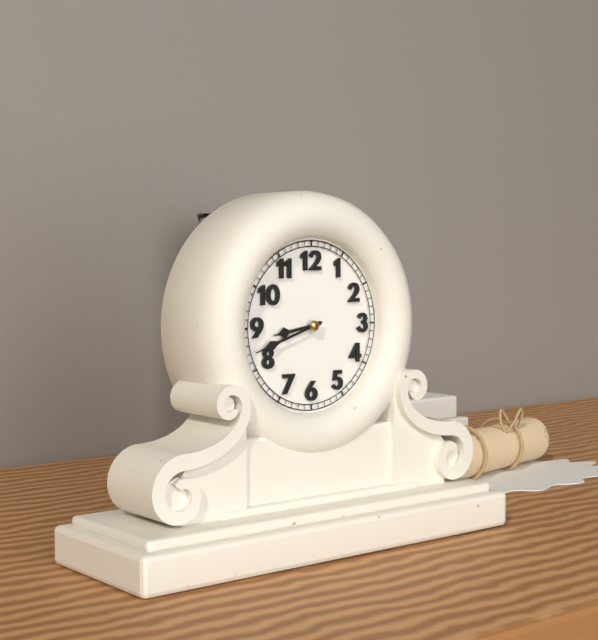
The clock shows **8:42**
